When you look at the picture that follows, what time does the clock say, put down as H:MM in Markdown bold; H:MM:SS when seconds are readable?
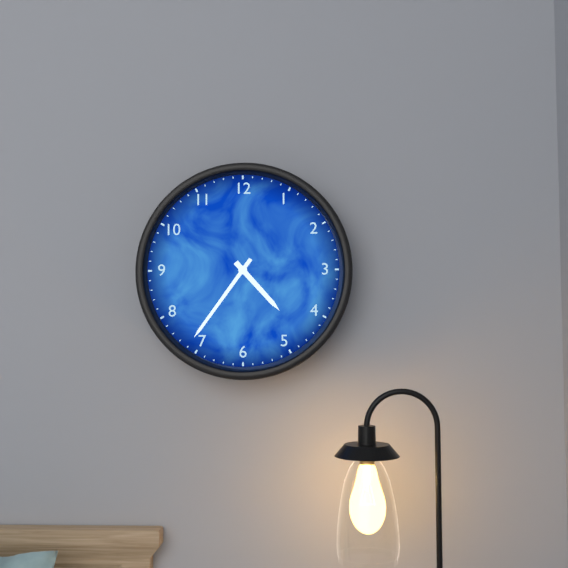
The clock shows **4:36**
